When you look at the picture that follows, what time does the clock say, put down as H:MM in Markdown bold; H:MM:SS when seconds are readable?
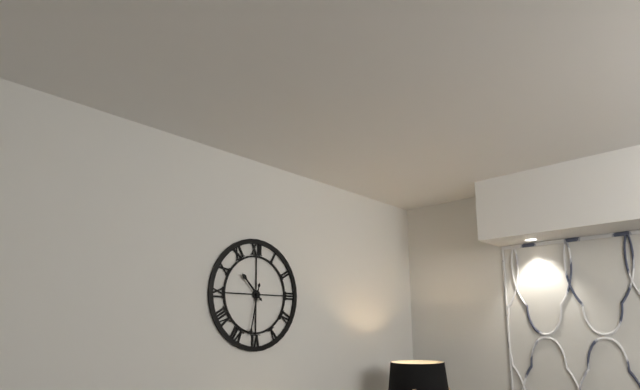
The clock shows **10:32**
